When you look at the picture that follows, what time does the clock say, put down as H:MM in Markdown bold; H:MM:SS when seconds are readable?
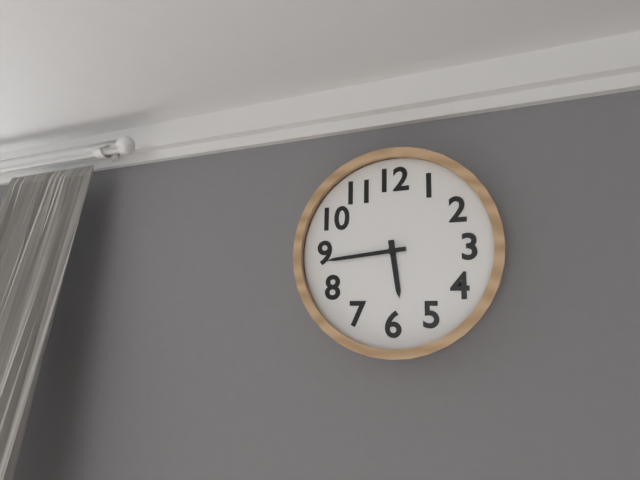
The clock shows **5:44**
